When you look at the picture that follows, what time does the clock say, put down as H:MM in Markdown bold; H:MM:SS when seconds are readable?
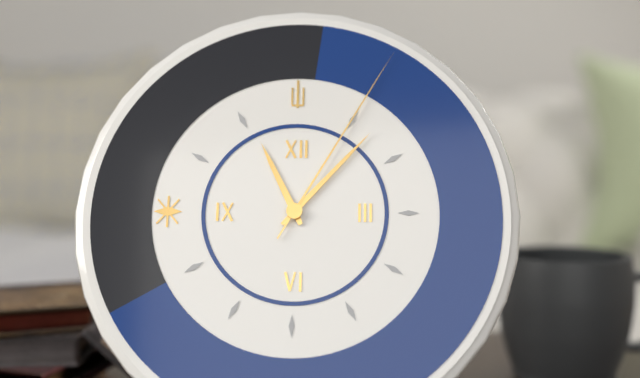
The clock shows **11:07:05**
